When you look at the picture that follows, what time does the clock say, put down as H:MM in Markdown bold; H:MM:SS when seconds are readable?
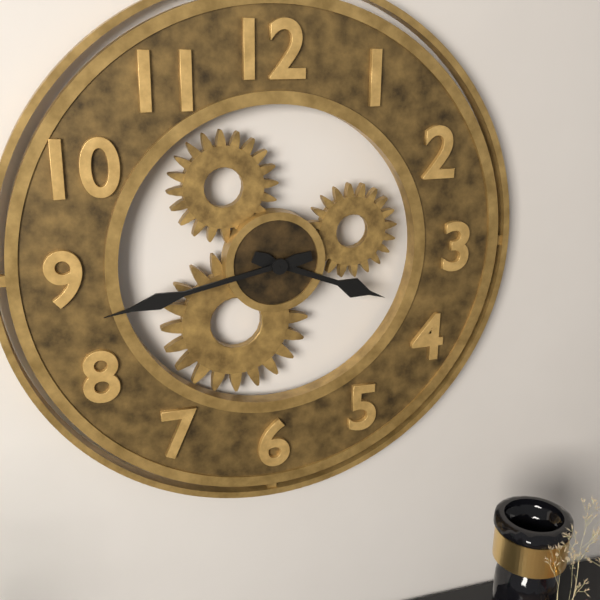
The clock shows **3:43**
